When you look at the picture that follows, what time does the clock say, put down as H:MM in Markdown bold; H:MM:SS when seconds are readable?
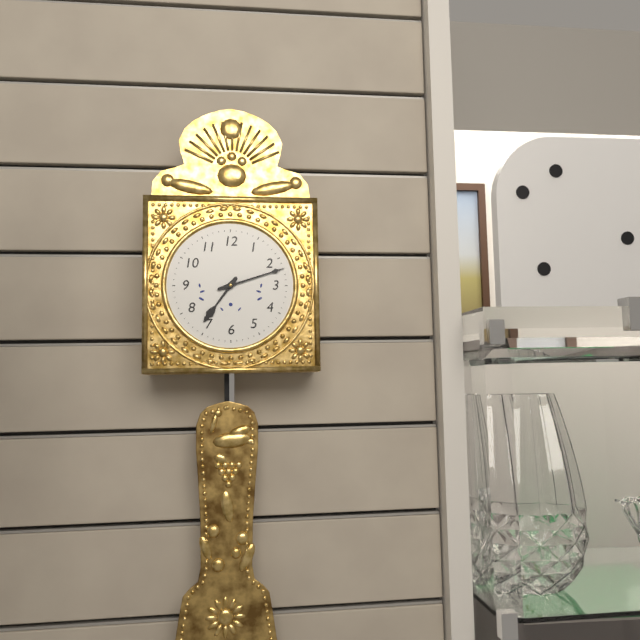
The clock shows **7:12**
